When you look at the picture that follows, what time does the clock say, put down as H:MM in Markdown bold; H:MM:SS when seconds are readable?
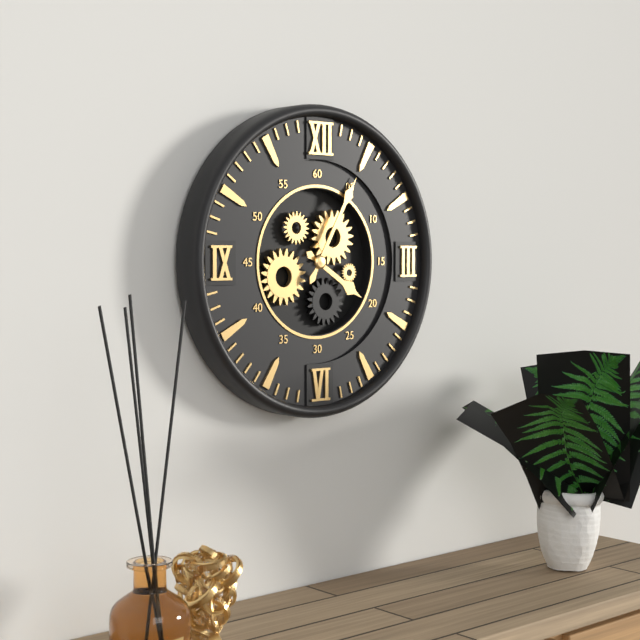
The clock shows **4:05**
